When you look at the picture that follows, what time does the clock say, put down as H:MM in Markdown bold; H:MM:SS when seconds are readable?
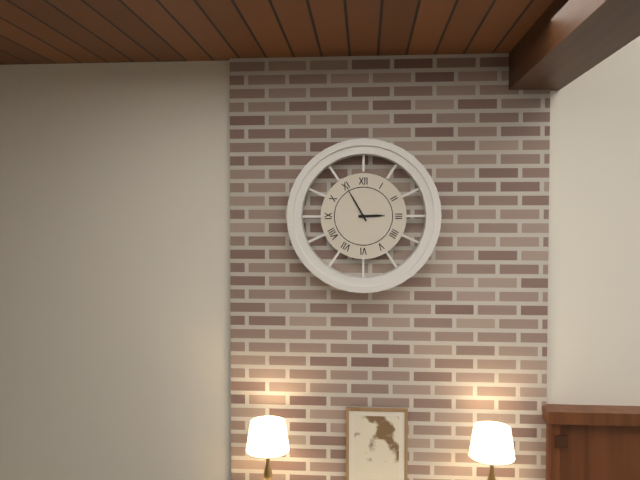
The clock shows **2:55**
